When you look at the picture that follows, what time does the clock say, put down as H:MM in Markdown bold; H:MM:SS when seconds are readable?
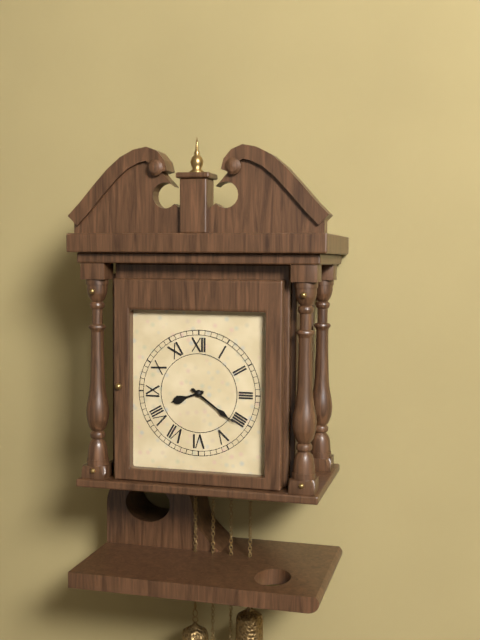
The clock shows **8:21**
